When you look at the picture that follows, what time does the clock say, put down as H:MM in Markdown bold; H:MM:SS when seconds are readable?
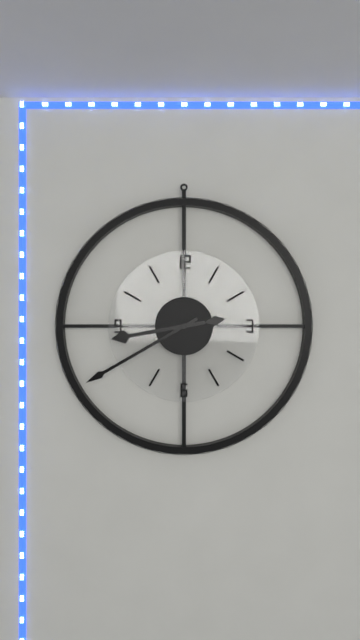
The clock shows **8:40**
